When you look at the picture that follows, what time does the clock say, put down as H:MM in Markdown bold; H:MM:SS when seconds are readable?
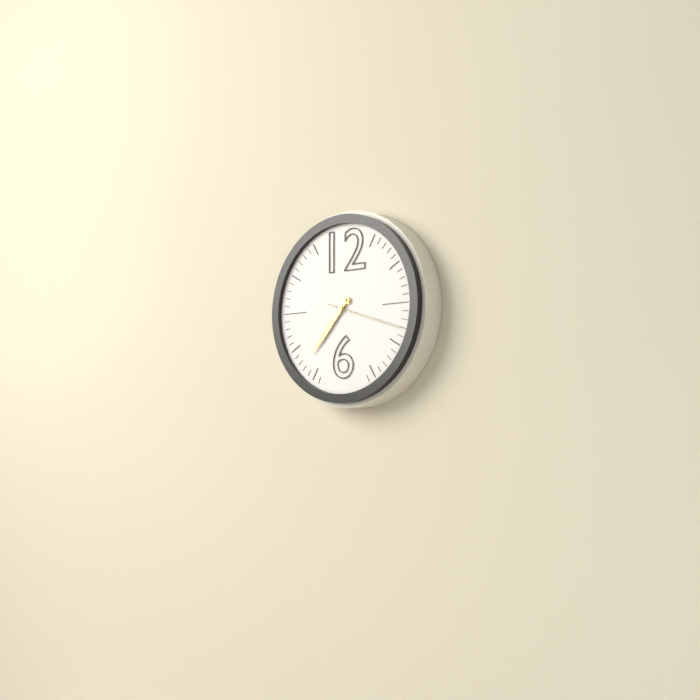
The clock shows **7:37:18**
